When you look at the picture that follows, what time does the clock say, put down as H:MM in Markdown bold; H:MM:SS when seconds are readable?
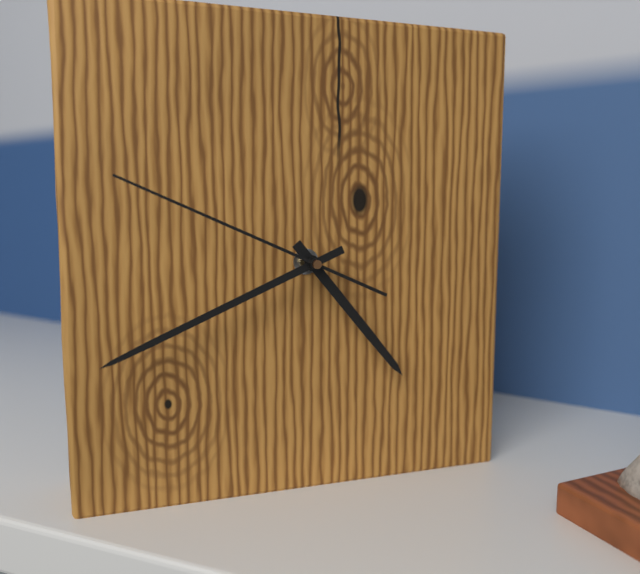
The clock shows **4:41:49**
